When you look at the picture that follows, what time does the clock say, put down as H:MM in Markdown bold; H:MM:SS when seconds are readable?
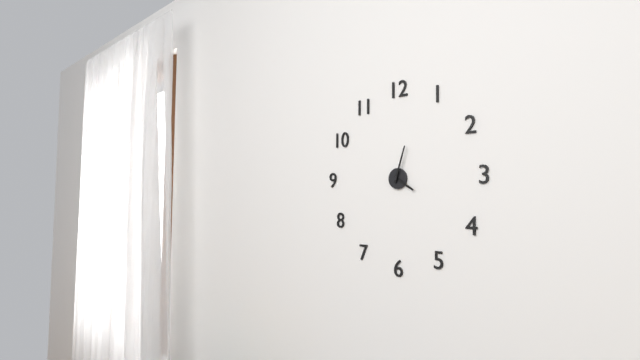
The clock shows **4:03**
